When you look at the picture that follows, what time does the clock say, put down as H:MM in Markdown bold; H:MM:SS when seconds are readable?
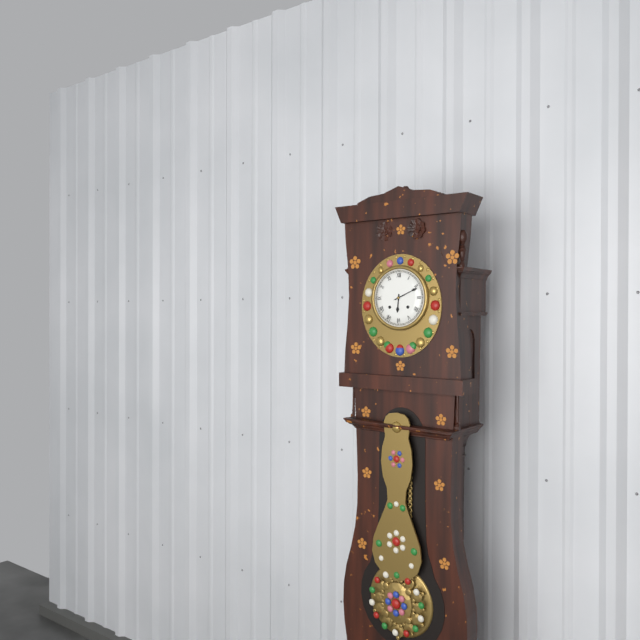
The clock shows **6:11**
